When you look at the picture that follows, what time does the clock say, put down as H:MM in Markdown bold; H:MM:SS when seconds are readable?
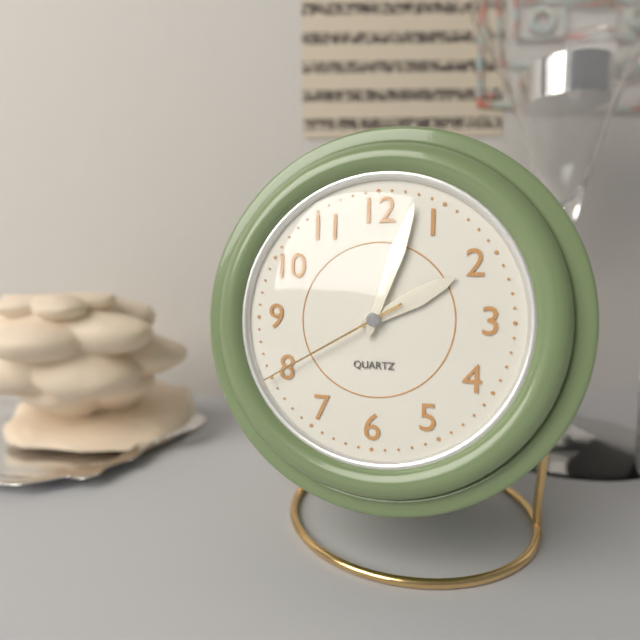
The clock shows **2:03:40**
